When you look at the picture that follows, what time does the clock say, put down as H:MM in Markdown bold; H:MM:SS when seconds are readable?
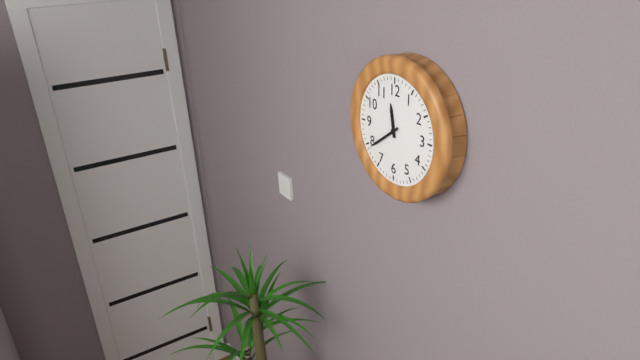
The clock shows **11:39**
